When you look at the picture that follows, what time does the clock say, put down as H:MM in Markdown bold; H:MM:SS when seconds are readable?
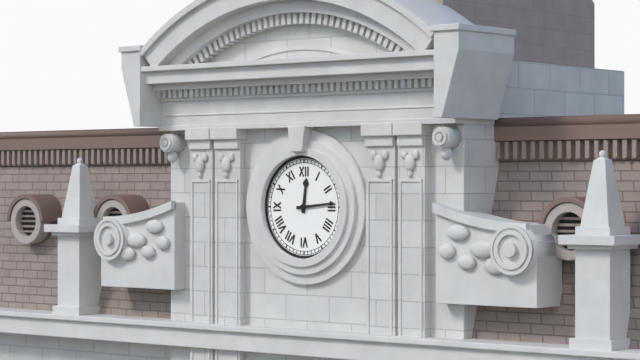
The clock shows **12:14**
